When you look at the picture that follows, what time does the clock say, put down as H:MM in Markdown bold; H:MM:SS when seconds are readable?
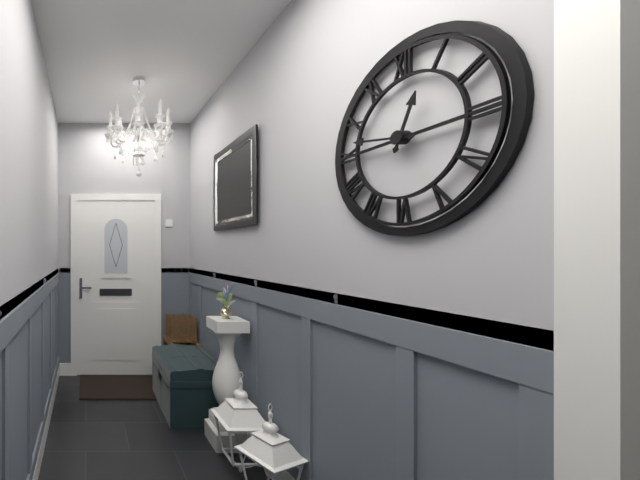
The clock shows **12:47**
